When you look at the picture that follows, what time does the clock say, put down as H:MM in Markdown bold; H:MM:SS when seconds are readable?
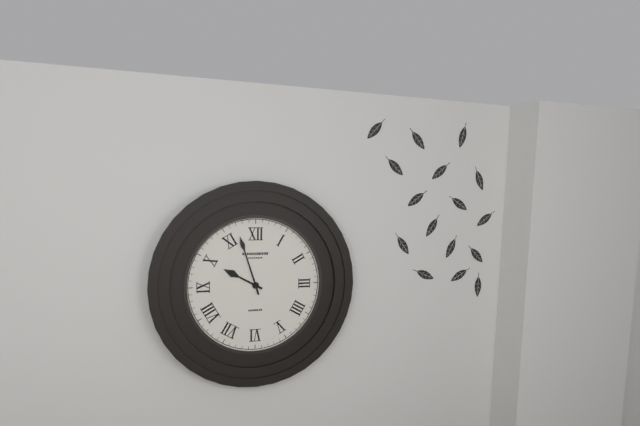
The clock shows **9:57**
